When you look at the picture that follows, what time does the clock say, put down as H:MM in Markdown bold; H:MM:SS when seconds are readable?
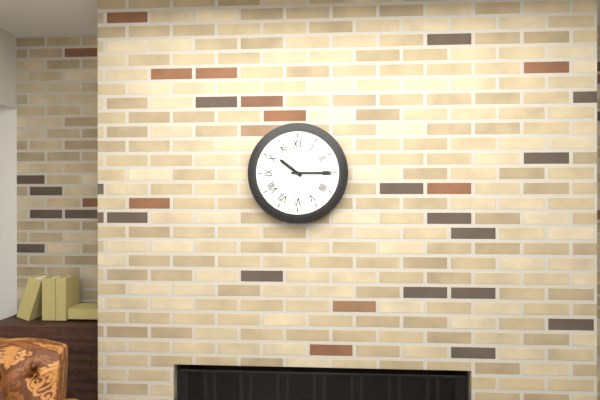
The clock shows **10:15**
